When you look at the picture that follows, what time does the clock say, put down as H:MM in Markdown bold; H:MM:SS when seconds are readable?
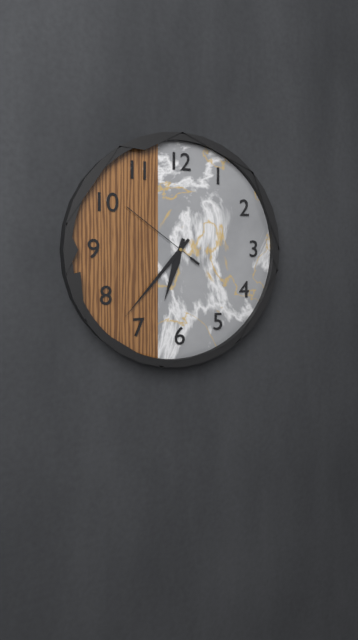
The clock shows **6:37:51**
